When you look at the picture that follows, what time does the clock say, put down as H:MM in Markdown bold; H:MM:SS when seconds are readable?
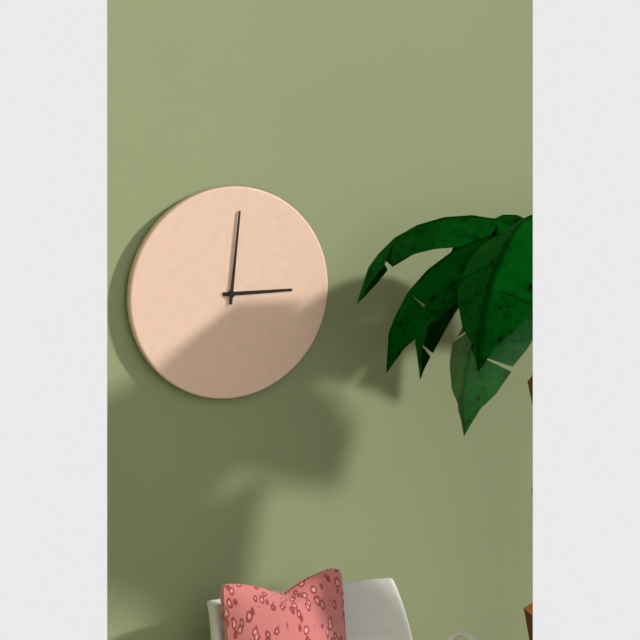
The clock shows **3:01**
